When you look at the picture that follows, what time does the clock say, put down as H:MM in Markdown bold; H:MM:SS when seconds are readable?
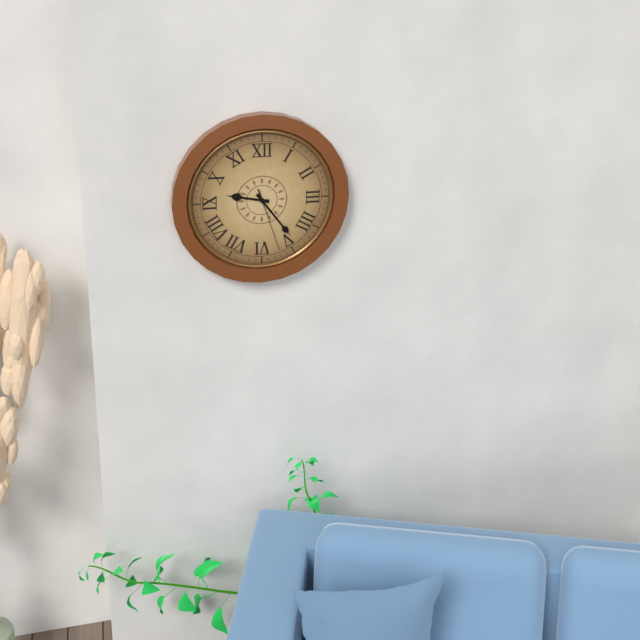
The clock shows **9:24:27**
